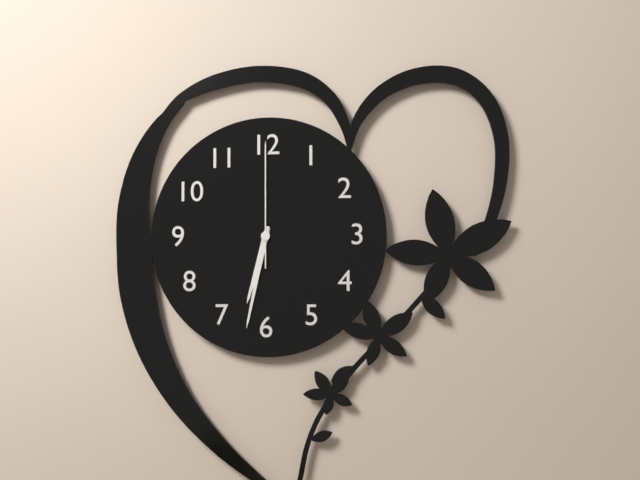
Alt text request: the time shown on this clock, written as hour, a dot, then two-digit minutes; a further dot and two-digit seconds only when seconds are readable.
6.32.00
